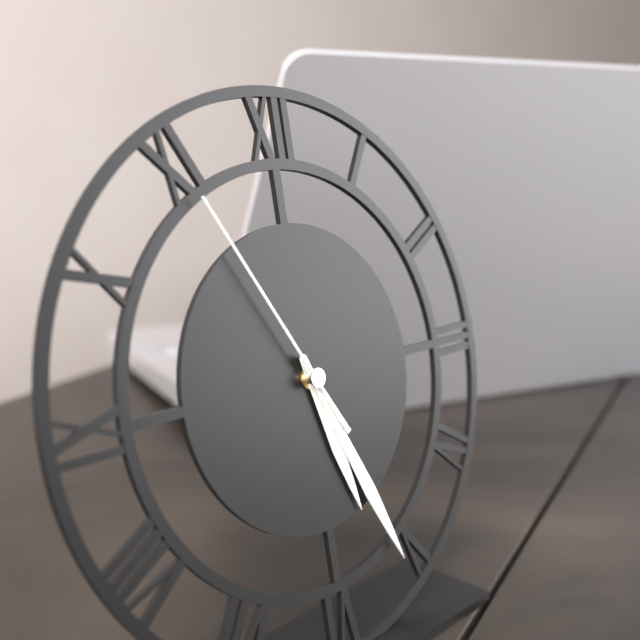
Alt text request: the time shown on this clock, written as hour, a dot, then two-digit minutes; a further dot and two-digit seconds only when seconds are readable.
5.26.55
